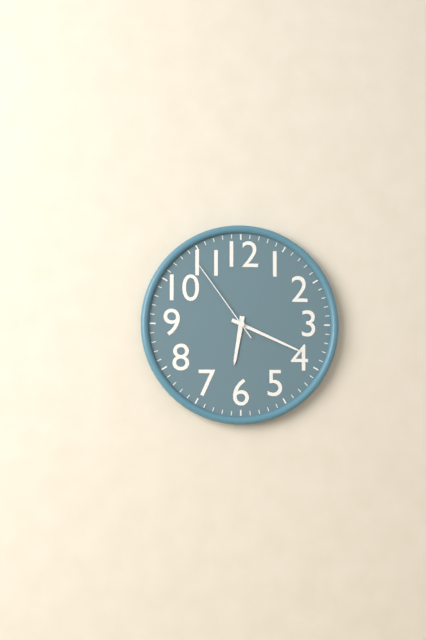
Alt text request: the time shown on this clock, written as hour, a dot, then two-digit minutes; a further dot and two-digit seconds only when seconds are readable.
6.19.54
